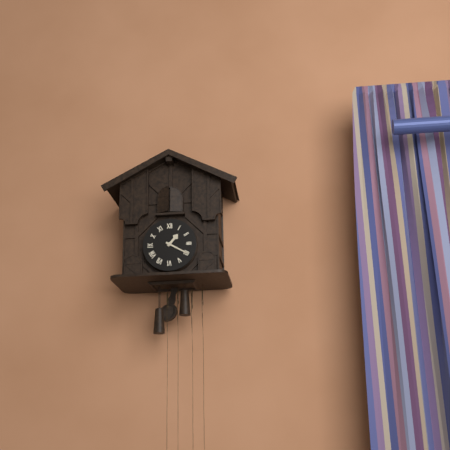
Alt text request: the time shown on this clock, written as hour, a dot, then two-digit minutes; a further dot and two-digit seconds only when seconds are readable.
1.20
